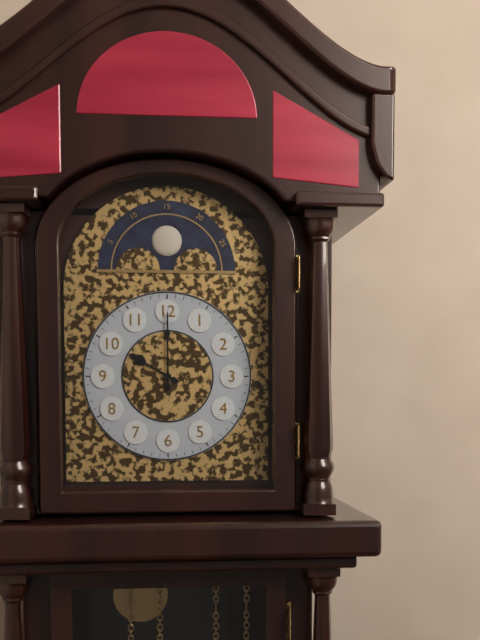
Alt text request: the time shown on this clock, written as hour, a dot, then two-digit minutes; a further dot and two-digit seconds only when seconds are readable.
10.00
